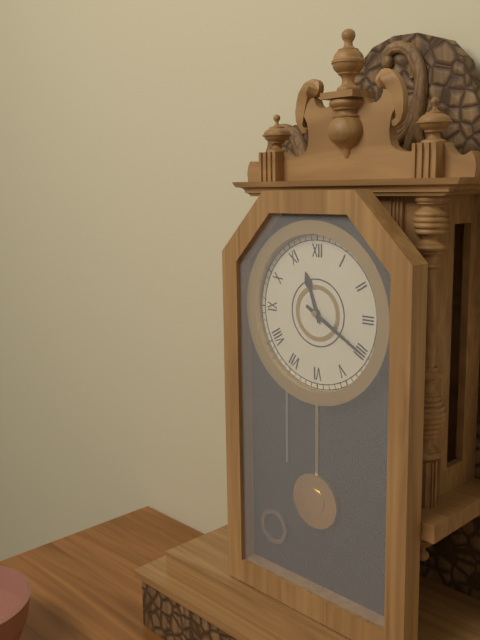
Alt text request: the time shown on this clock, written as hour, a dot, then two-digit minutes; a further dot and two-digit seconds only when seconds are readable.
11.20
